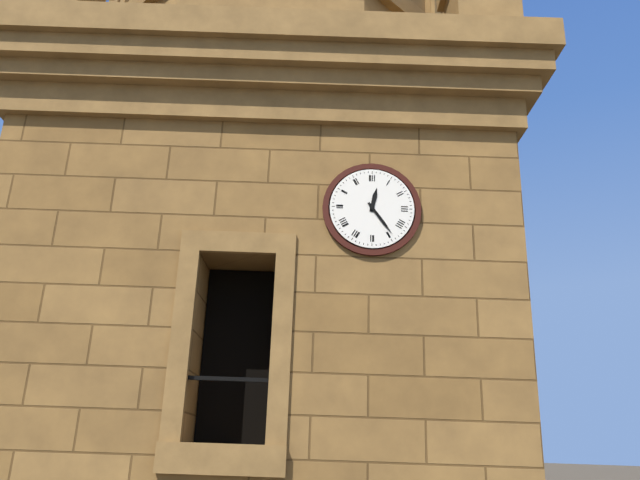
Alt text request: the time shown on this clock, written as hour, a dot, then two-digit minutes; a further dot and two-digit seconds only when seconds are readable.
12.24
